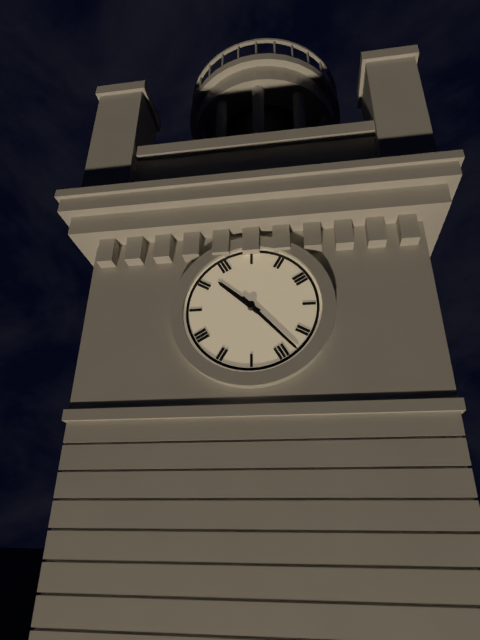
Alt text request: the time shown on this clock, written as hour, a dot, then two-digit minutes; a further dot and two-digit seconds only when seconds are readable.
10.23
